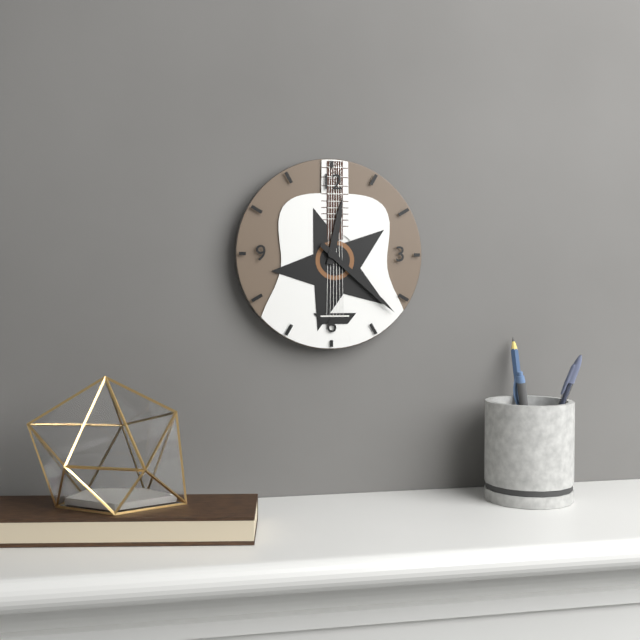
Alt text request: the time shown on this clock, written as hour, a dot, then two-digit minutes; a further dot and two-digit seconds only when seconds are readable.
12.22
